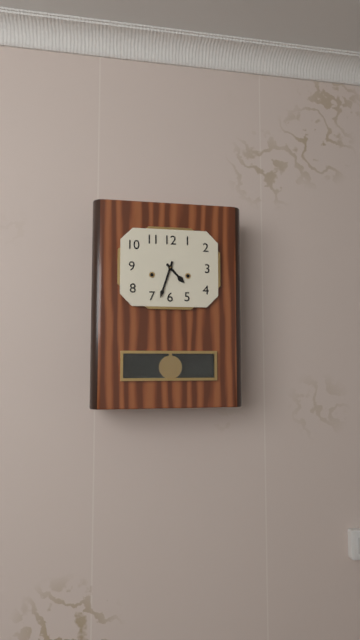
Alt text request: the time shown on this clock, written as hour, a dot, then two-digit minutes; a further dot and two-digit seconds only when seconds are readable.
4.33
